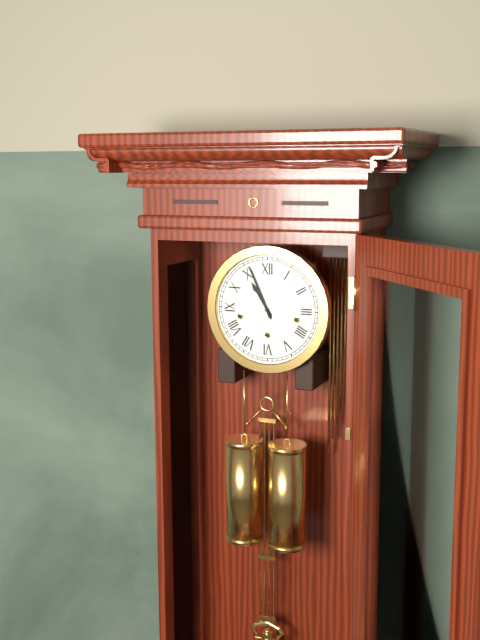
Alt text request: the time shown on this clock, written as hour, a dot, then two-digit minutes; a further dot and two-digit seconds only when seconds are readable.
10.56
